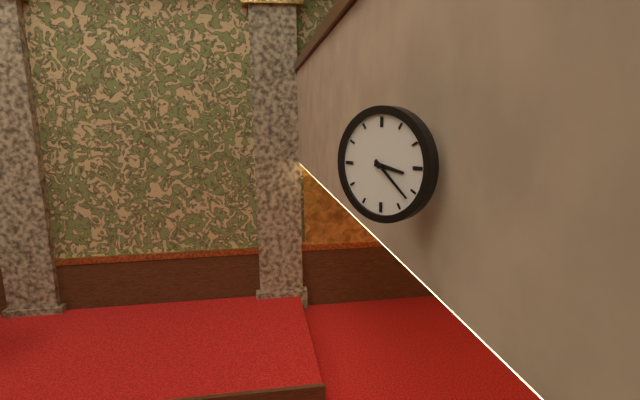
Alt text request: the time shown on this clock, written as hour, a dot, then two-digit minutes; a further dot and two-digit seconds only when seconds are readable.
3.22
